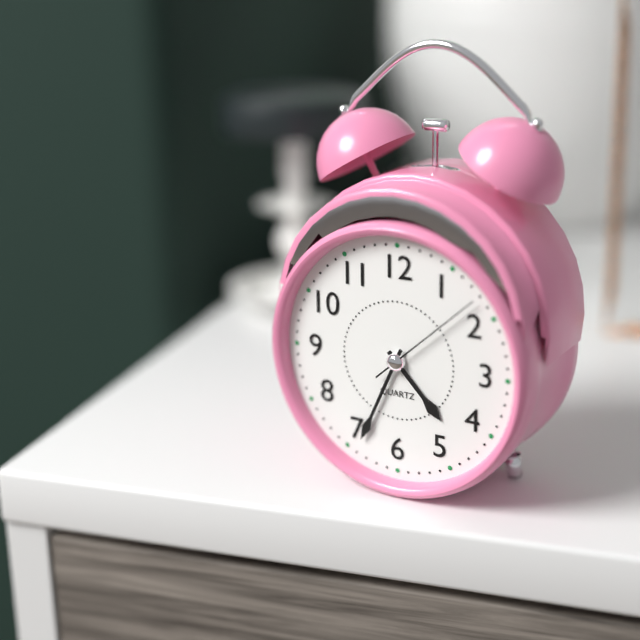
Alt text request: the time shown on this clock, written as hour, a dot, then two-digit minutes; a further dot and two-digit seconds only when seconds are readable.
4.34.08
